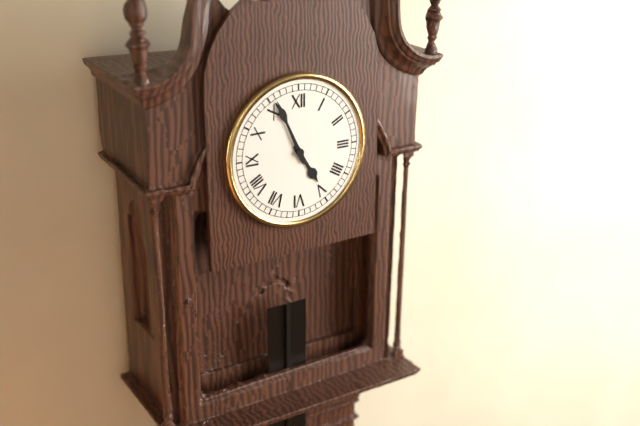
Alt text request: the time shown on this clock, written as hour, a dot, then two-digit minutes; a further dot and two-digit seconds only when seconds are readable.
4.56
